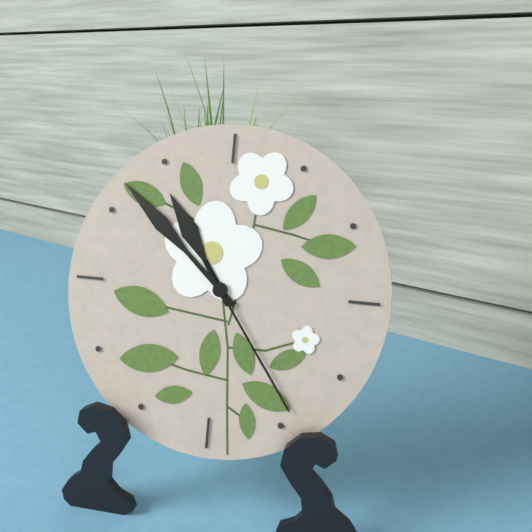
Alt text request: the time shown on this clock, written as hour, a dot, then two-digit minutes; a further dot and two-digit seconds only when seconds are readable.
10.52.24
